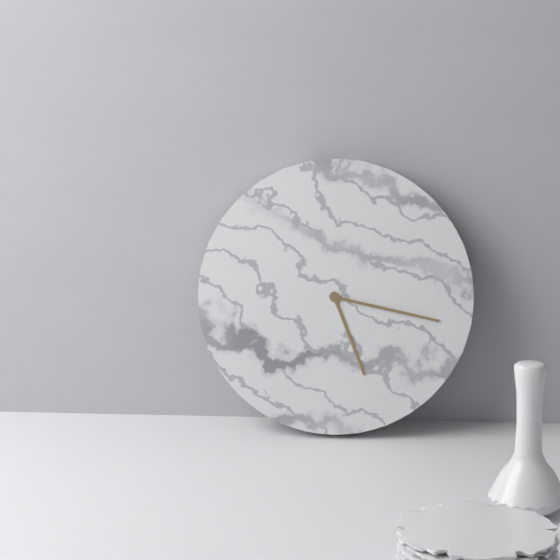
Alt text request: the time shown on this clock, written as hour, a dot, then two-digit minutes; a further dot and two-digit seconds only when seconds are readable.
5.17
